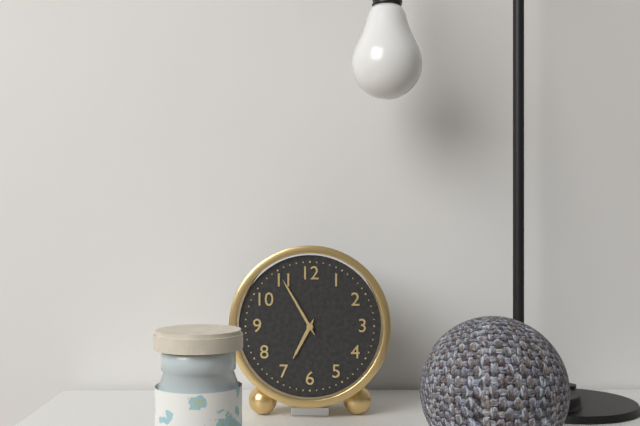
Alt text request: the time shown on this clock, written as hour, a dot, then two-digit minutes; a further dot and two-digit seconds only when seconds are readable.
6.55
